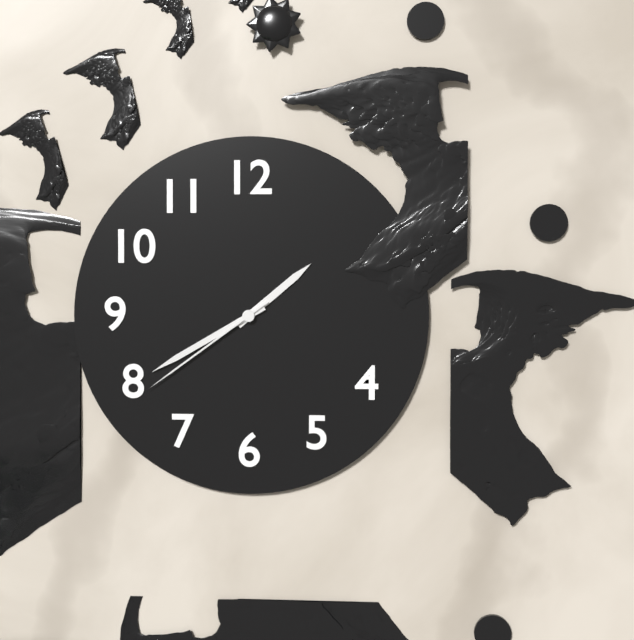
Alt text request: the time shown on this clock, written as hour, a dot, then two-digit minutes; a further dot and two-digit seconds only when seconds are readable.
1.40.39
